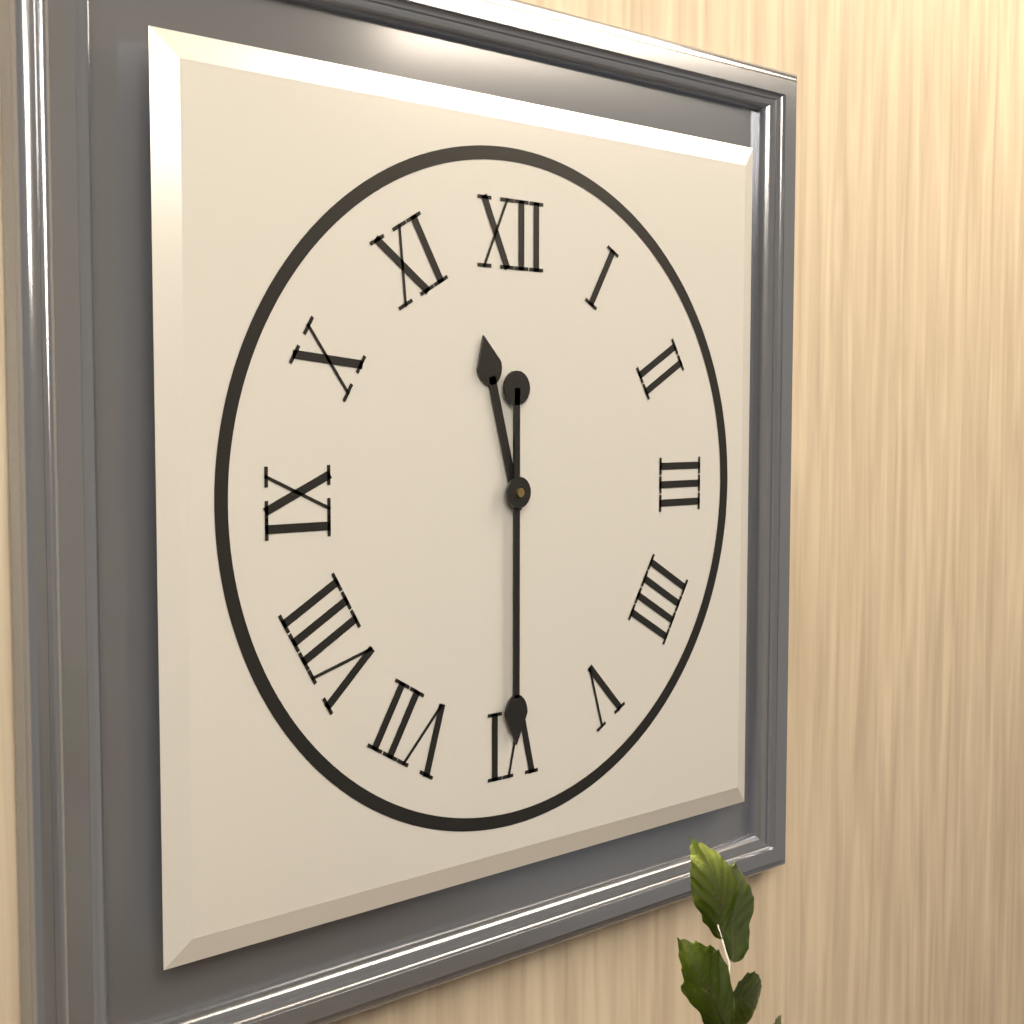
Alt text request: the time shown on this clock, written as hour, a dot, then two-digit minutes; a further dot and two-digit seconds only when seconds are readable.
11.30
